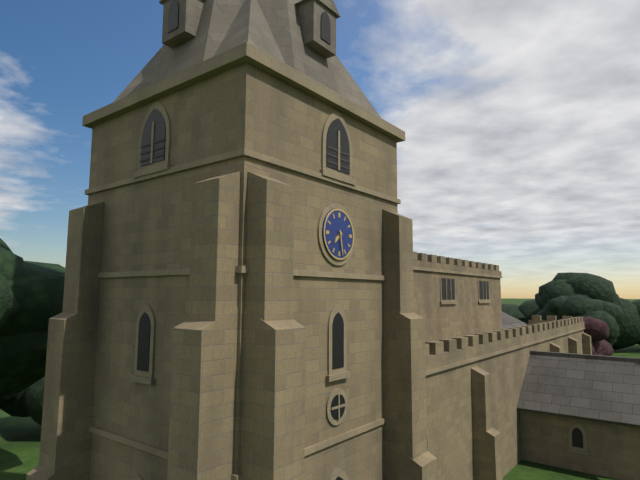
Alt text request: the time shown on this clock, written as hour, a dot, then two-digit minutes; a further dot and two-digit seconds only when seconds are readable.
7.28
